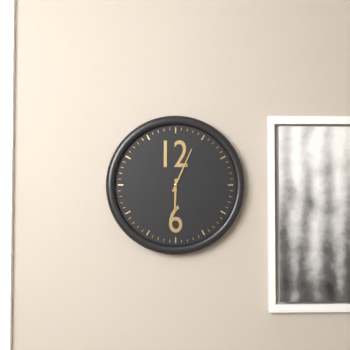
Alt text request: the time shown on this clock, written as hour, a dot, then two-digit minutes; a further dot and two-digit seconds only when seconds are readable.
6.04
